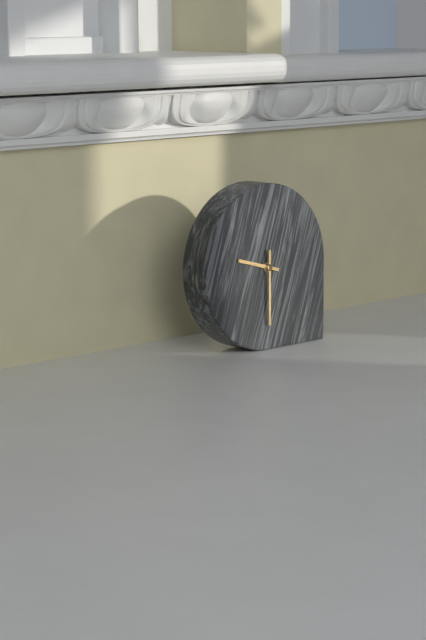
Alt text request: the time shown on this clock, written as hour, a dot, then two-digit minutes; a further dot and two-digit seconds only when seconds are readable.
9.30
